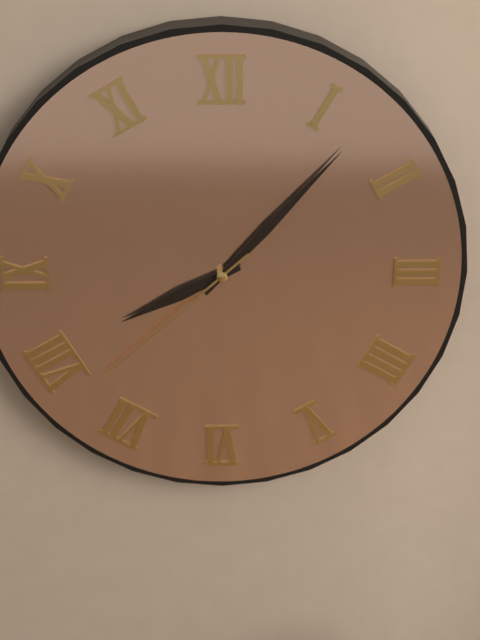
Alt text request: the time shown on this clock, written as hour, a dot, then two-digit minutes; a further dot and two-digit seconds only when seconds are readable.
8.07.38
